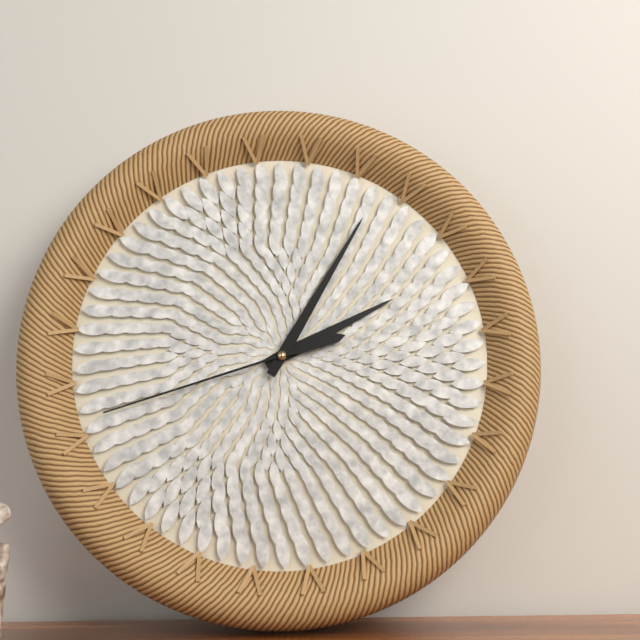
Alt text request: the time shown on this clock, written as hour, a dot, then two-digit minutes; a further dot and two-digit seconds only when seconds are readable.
2.05.42
